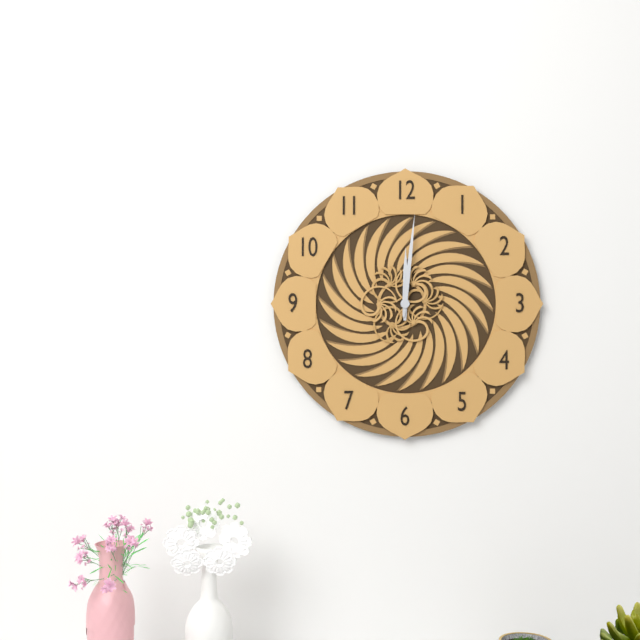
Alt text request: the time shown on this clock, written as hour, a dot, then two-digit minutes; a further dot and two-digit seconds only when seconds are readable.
12.01
